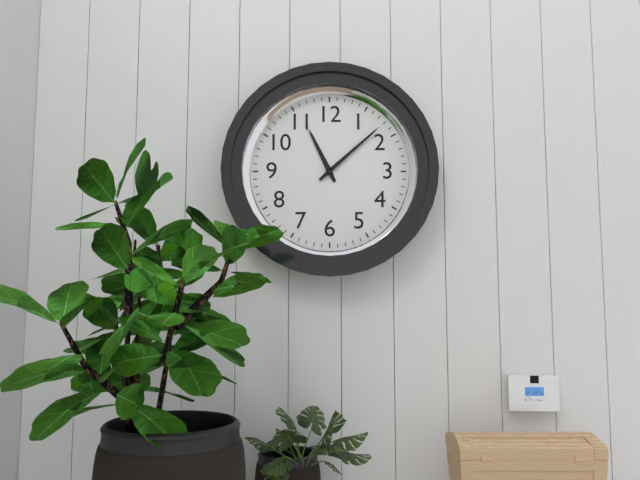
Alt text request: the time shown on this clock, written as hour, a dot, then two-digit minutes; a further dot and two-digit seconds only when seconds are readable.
11.08
